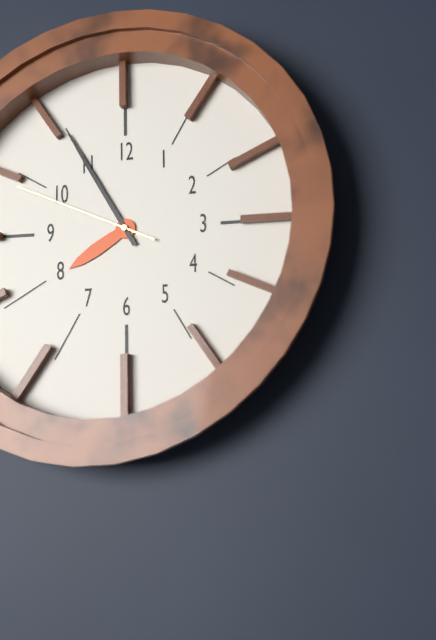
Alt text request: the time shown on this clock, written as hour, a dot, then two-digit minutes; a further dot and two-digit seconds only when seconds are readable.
7.55.49
